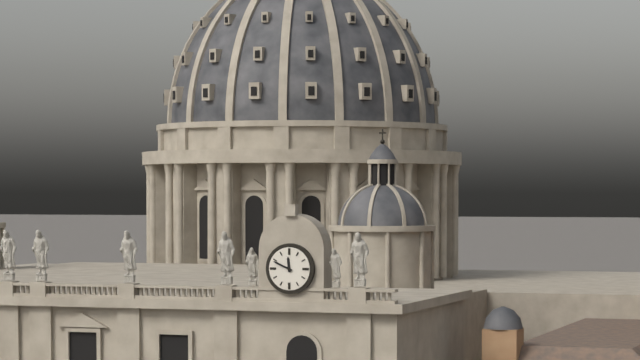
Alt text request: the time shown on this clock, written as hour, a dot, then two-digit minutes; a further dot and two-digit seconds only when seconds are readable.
11.49
